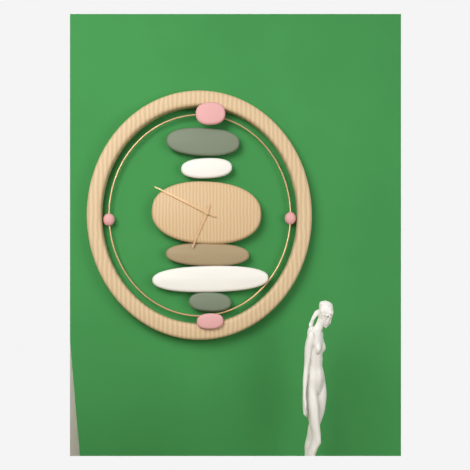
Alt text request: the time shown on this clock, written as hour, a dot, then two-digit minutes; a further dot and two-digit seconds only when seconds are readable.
6.49
